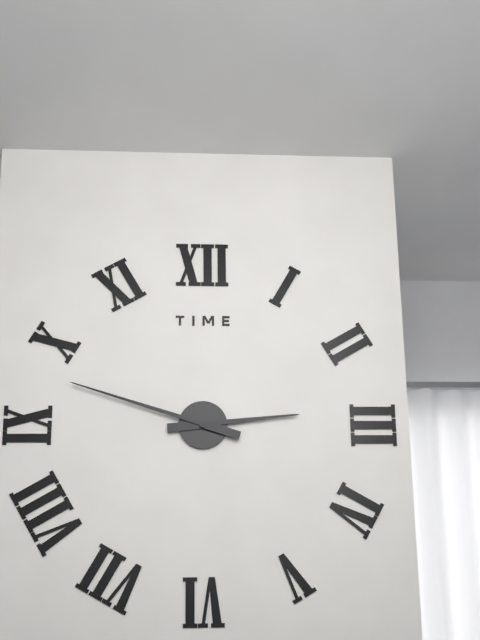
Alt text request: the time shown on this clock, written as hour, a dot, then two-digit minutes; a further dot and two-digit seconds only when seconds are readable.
2.48
